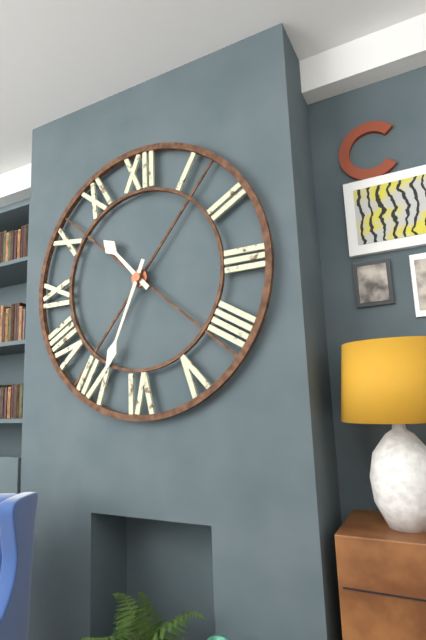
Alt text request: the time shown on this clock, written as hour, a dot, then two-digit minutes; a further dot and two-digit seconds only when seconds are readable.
10.34
